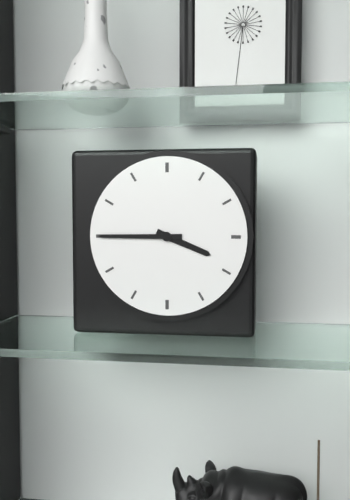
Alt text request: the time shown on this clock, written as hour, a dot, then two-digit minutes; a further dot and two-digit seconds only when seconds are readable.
3.45
